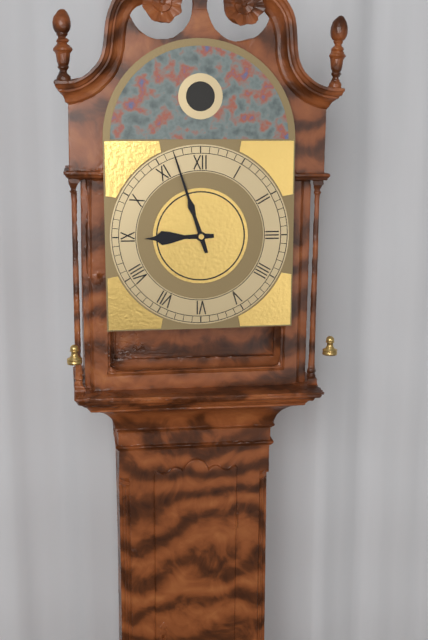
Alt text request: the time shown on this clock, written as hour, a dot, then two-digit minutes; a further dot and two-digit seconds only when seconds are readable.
8.57
